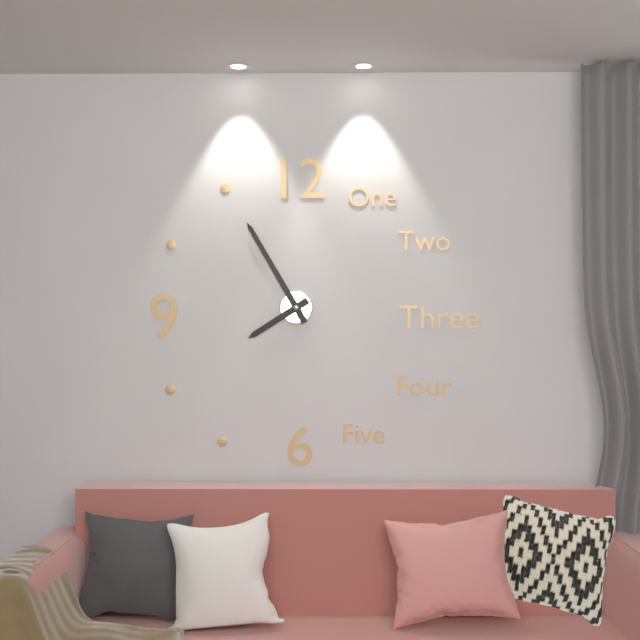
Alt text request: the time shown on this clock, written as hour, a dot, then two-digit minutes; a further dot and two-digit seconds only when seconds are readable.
7.55
